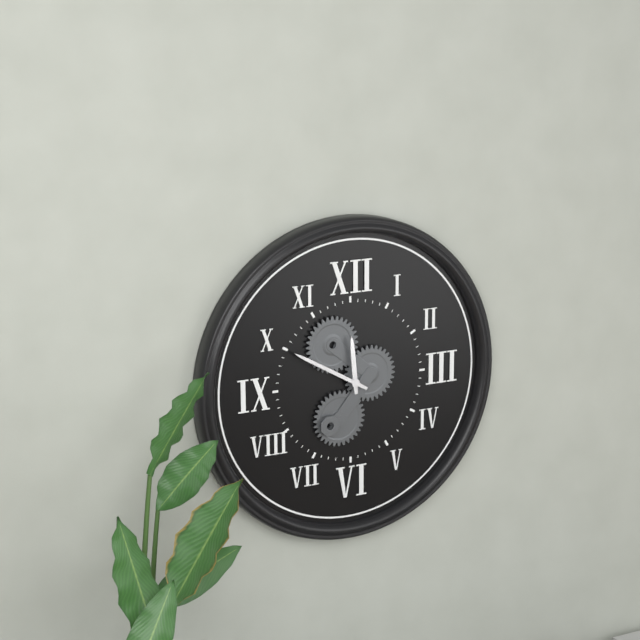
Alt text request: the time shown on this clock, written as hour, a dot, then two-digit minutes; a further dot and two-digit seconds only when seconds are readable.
11.50
